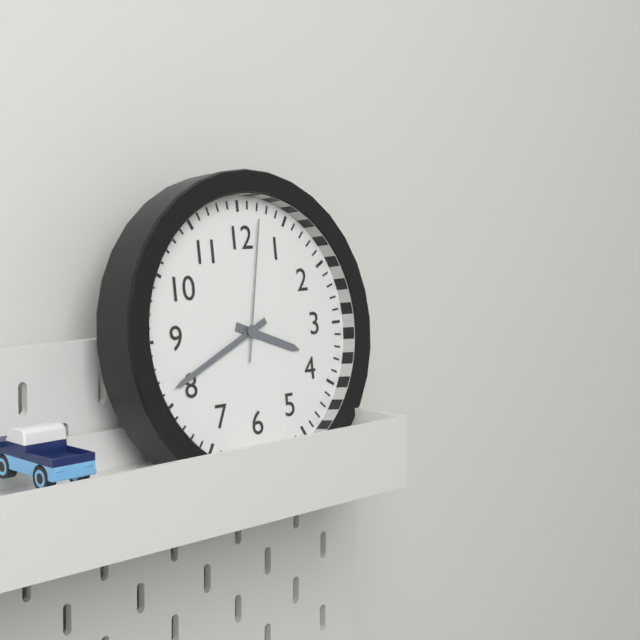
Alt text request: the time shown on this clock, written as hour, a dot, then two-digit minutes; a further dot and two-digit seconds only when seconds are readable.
3.41.02
